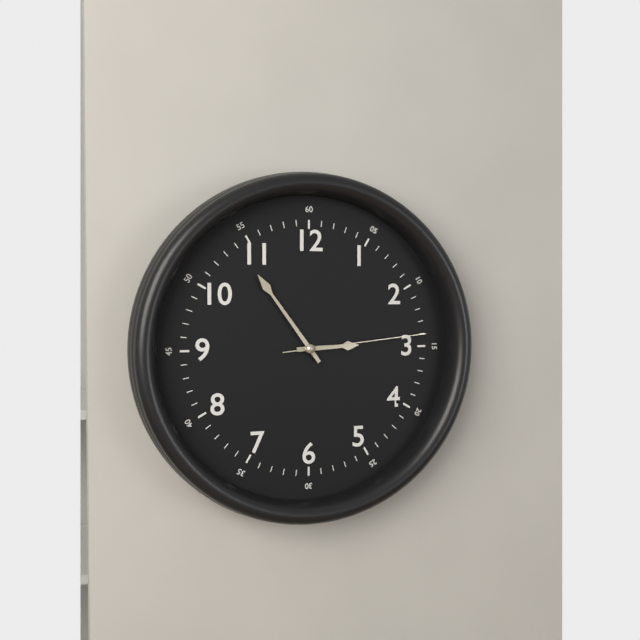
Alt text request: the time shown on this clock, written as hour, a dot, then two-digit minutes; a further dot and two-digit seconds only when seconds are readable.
2.54.14
